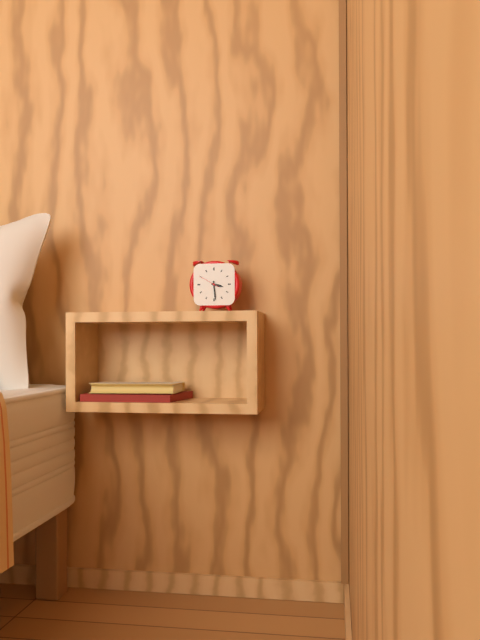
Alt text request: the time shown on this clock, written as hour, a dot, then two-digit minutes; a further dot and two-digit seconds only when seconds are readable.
3.29
